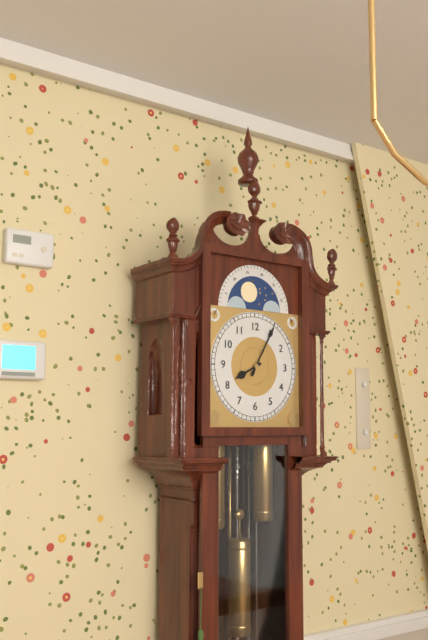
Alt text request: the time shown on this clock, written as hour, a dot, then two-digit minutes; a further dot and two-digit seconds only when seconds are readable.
8.05
